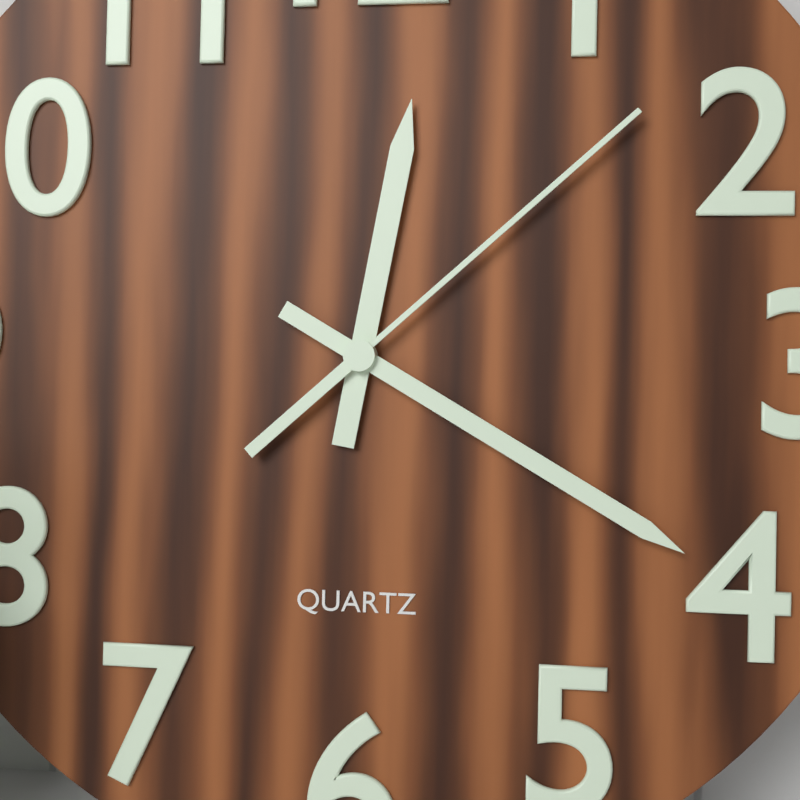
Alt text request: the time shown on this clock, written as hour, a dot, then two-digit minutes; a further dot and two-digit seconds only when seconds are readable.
12.20.08
